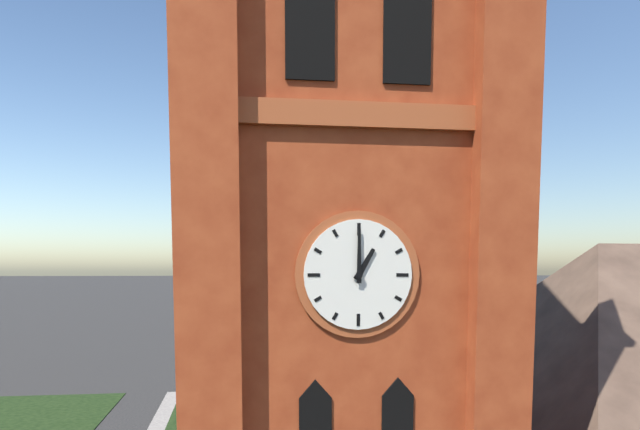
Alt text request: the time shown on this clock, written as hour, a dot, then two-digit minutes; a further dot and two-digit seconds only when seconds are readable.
1.00
